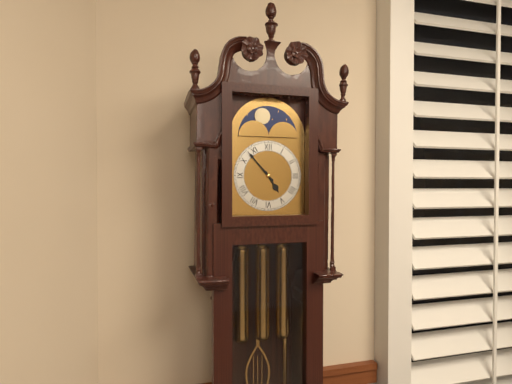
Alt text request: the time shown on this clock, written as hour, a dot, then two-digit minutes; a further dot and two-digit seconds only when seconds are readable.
4.53
